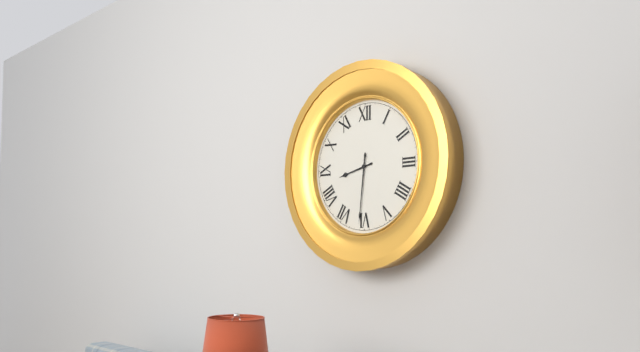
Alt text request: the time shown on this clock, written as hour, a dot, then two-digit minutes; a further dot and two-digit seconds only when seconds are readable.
8.31
